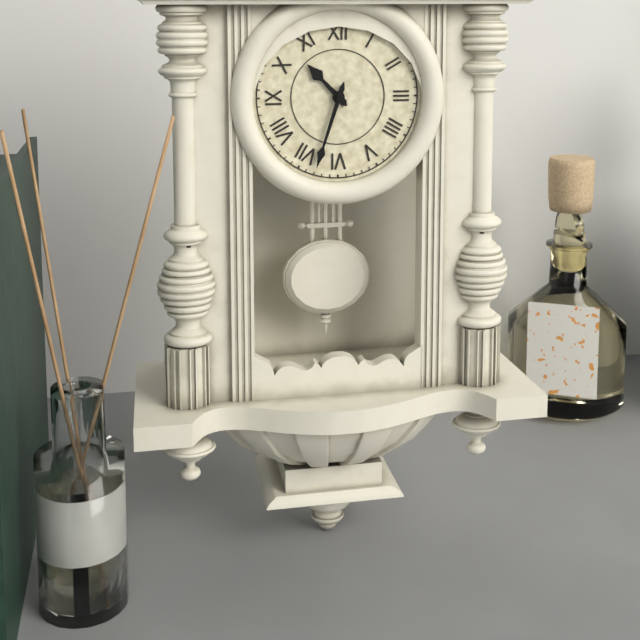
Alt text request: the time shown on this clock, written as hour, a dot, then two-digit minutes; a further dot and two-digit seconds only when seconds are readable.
10.33
